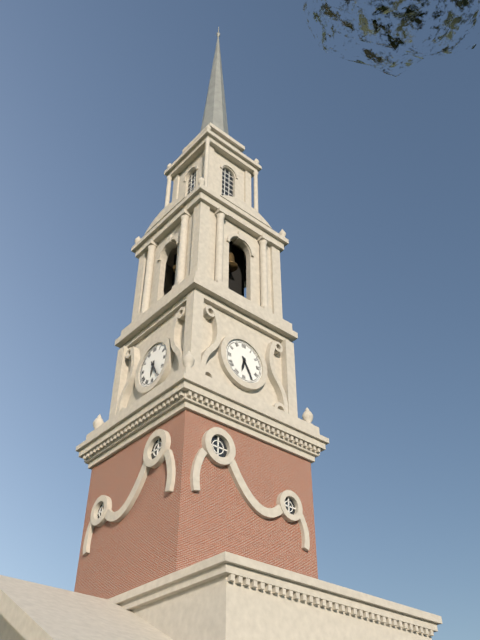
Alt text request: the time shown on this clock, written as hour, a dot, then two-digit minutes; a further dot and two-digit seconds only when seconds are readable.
6.25
